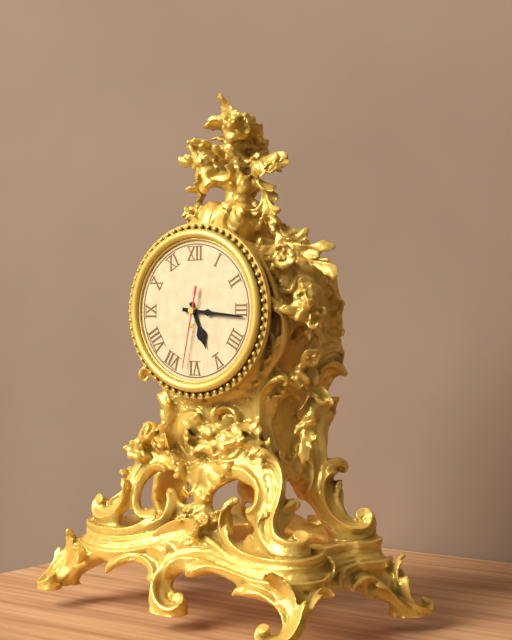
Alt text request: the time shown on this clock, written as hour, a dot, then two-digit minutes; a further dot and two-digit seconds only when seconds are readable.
5.16.32
